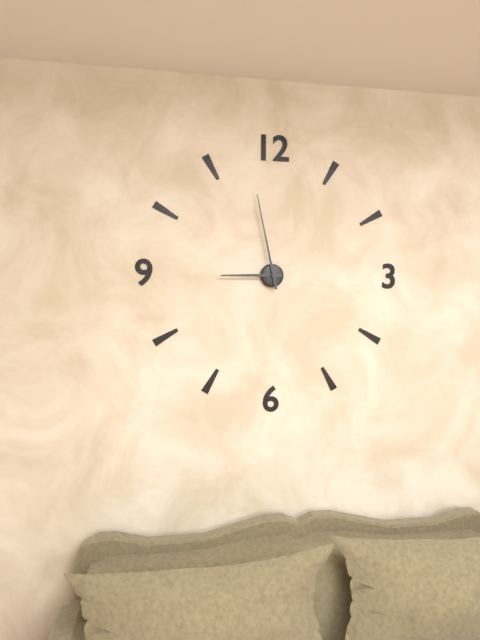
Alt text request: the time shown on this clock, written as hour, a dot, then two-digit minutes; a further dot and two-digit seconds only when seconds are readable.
8.58
